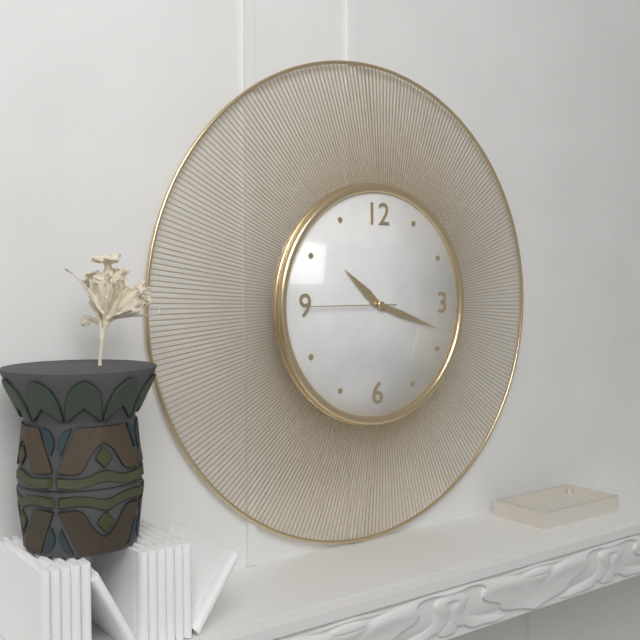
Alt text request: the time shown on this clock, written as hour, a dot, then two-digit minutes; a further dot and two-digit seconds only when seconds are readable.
10.18.45
